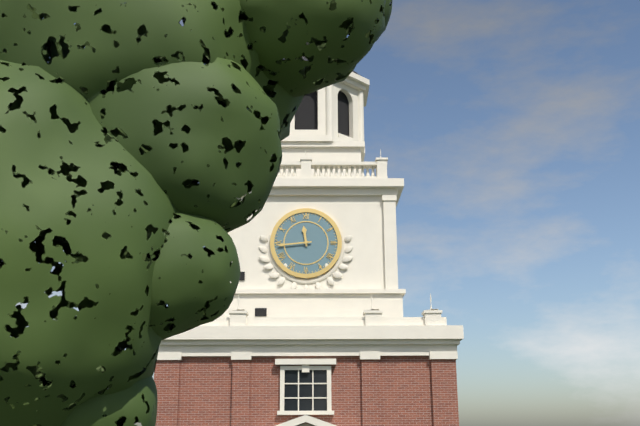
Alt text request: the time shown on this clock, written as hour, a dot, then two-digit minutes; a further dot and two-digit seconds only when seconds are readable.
11.44
